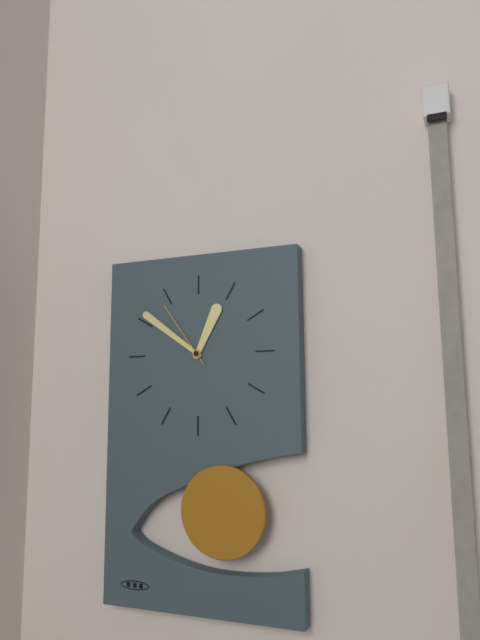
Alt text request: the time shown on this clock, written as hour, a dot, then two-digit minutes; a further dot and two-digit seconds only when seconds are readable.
12.51.54
